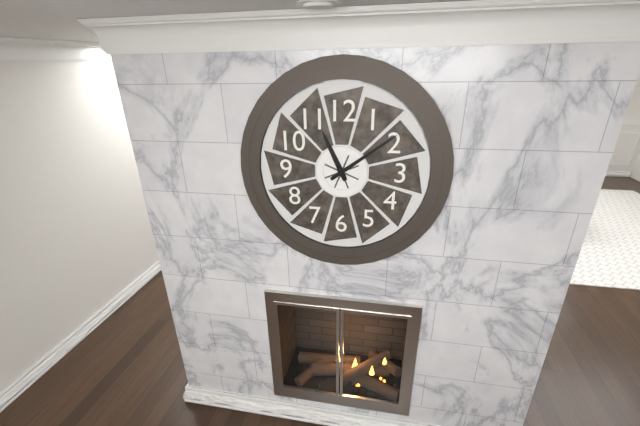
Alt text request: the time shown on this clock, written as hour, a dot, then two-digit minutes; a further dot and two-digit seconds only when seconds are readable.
11.09
